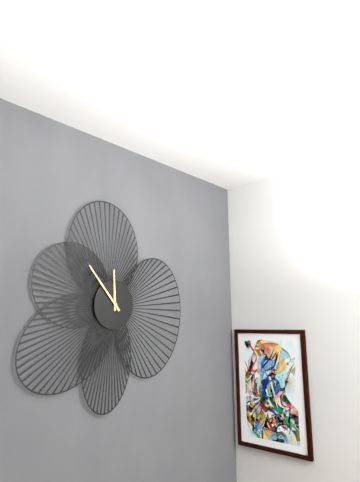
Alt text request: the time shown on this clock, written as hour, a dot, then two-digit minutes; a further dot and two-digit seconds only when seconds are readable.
11.53
